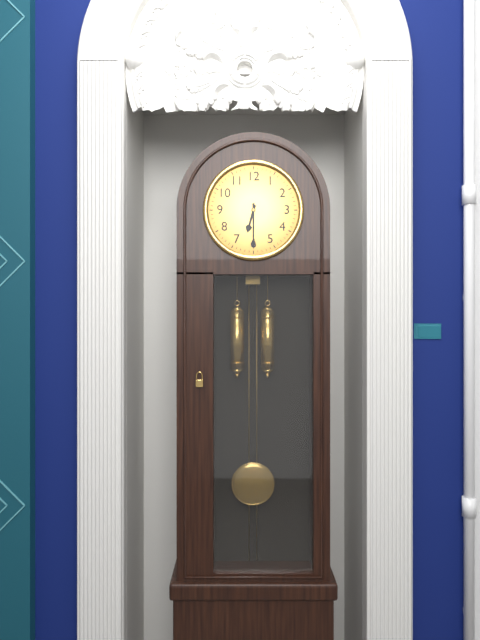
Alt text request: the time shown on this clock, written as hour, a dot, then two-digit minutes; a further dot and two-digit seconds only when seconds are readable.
6.30
